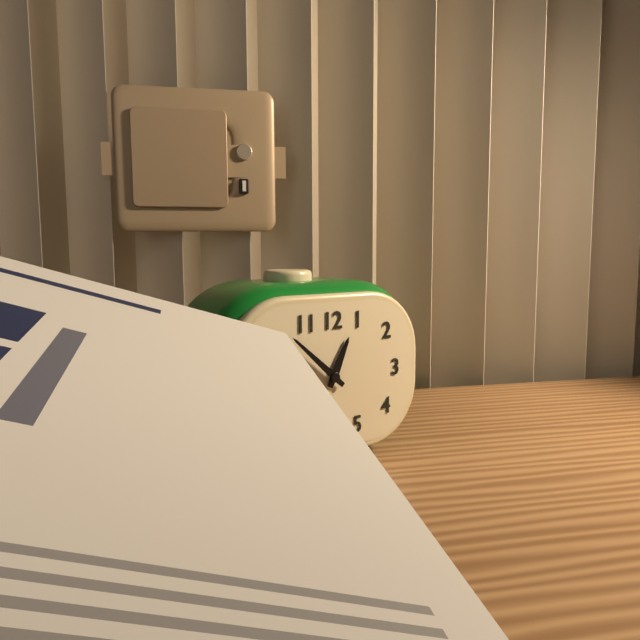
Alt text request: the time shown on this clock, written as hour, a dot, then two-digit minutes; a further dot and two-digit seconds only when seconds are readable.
12.52
